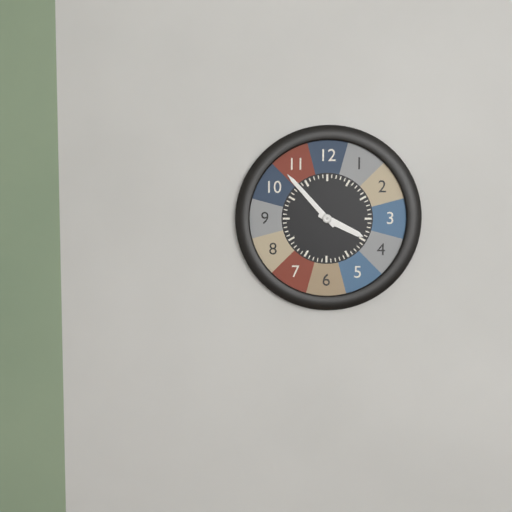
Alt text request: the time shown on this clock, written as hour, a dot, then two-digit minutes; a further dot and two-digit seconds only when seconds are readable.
3.53
